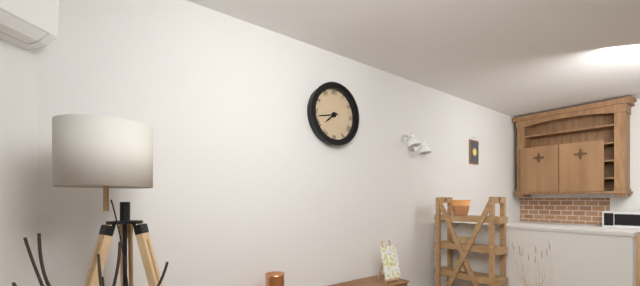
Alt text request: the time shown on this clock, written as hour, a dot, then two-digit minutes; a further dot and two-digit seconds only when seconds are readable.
7.43
